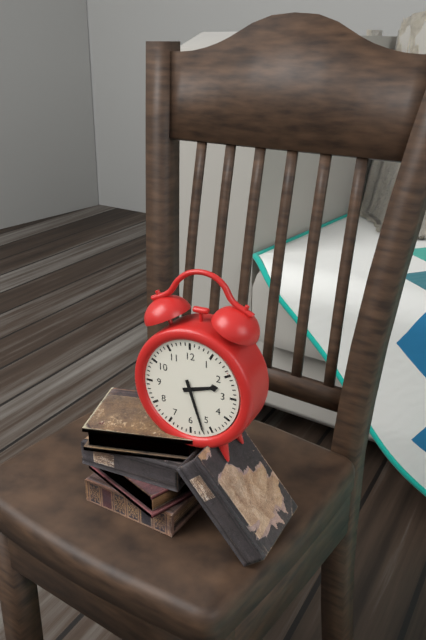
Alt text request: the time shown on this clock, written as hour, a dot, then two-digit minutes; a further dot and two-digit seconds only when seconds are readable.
2.27
